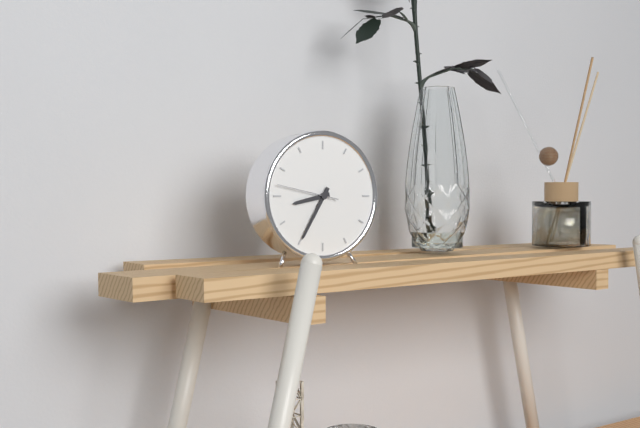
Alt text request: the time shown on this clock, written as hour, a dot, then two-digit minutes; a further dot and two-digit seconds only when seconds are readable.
8.35.47
